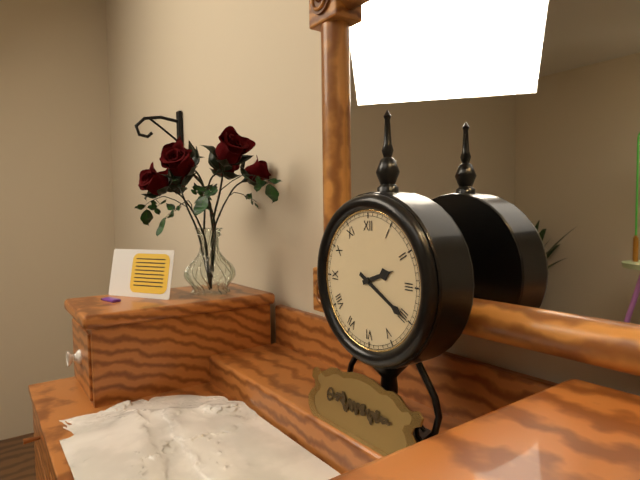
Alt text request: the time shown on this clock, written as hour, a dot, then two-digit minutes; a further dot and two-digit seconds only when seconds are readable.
2.20
